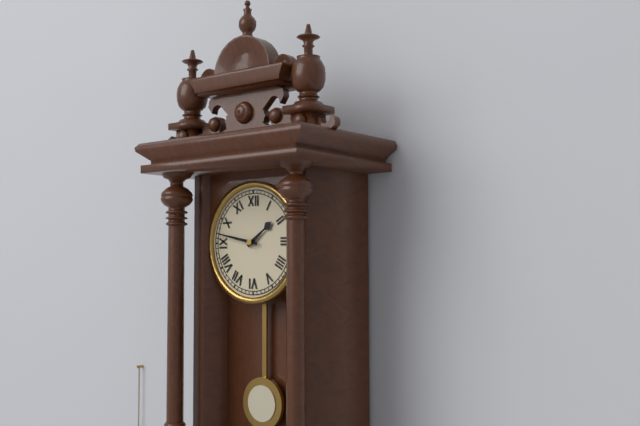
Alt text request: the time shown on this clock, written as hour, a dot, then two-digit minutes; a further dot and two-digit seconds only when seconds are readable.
1.47
